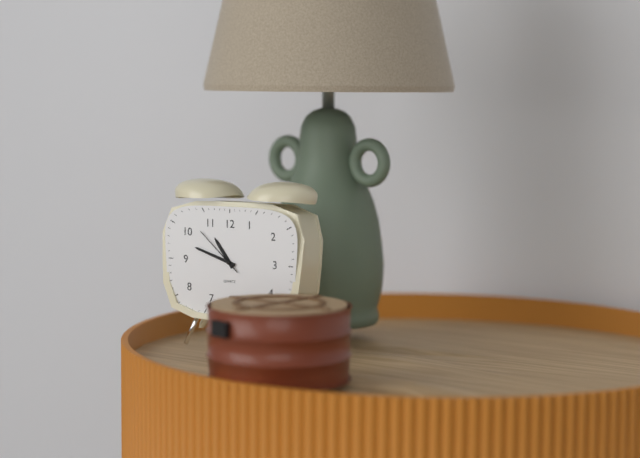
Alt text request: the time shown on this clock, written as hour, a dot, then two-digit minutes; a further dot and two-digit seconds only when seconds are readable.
10.48.52
